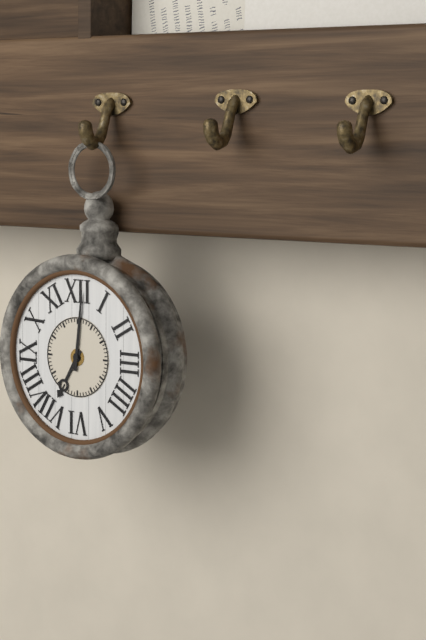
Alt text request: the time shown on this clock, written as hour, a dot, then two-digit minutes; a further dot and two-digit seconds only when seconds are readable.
7.01
